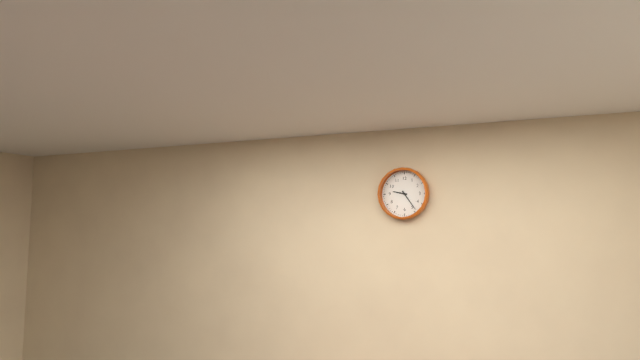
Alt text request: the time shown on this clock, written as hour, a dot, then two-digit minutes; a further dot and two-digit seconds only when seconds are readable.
9.24
